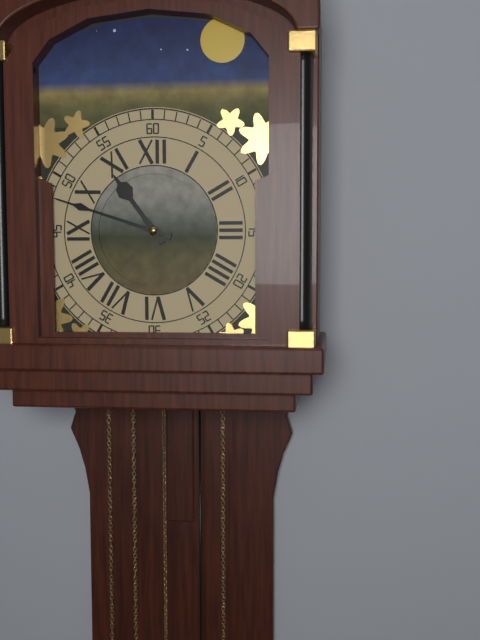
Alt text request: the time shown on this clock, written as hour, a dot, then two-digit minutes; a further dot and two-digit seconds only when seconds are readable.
10.48
